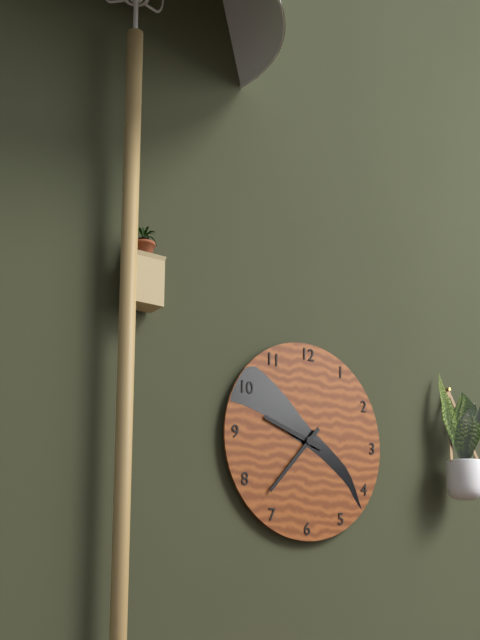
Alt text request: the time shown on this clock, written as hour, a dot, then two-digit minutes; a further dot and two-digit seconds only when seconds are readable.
9.37
